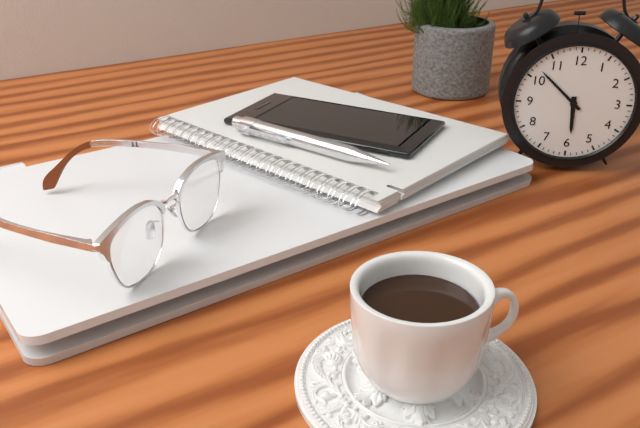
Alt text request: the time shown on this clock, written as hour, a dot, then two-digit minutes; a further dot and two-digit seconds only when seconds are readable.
5.52
